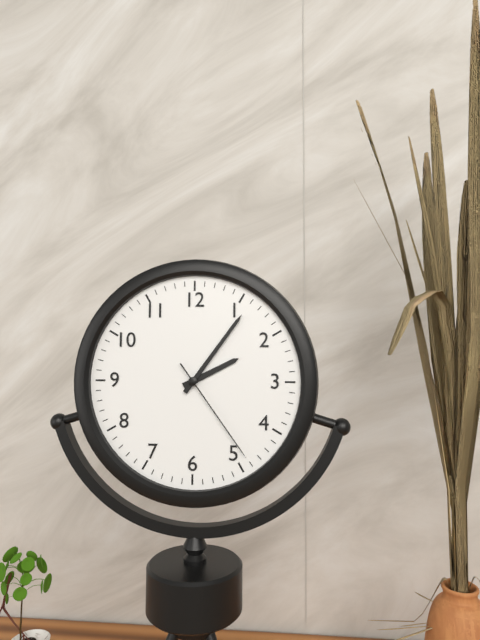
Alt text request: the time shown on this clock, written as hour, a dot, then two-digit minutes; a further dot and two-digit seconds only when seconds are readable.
2.06.24
